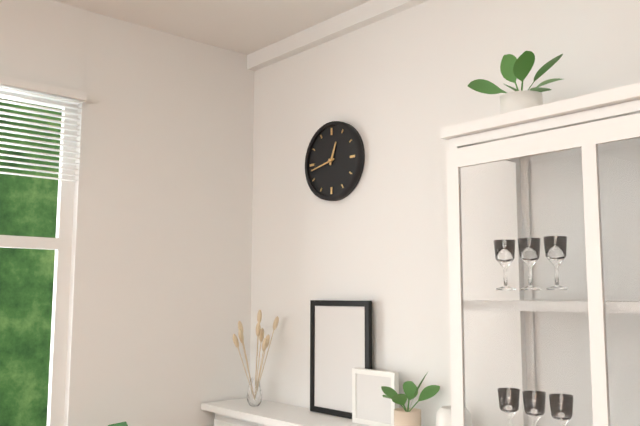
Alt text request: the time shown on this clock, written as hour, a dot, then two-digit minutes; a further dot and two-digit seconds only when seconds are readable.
12.43
